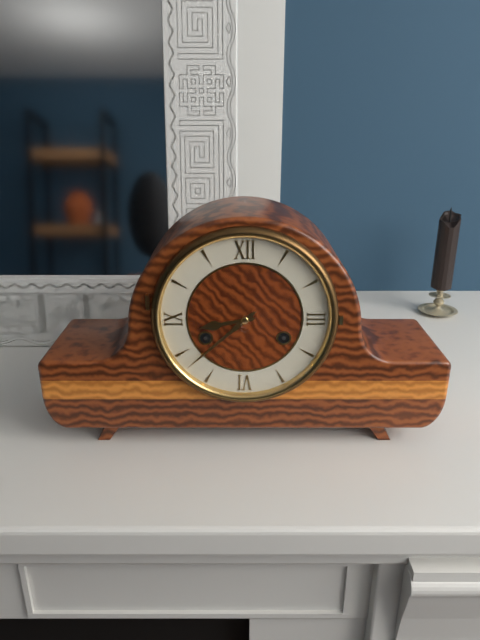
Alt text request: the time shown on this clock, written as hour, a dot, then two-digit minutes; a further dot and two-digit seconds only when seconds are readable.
8.38
